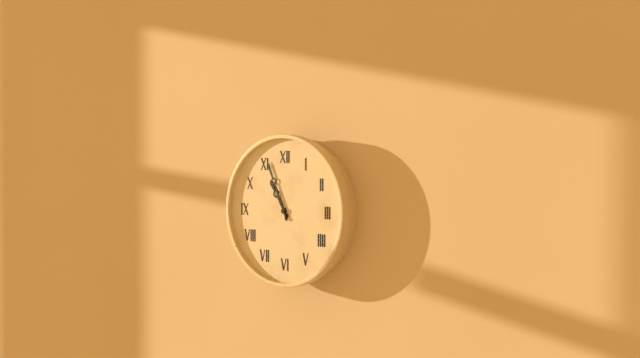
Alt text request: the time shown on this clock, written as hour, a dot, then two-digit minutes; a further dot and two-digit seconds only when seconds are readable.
10.56
